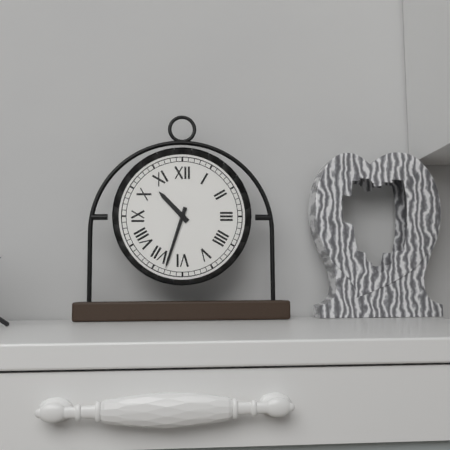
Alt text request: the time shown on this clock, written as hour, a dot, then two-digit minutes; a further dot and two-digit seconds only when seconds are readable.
10.33
